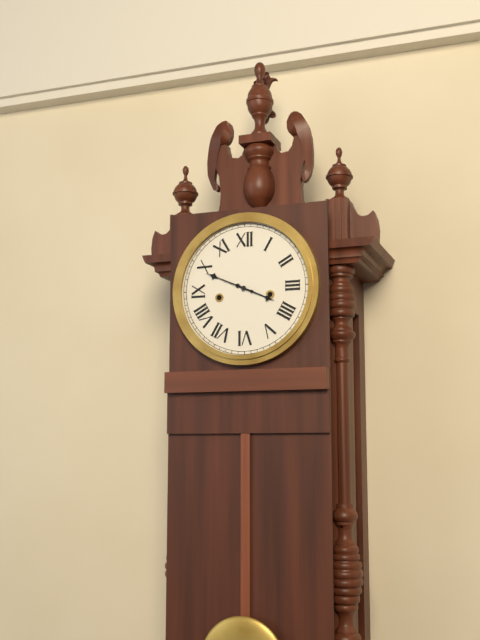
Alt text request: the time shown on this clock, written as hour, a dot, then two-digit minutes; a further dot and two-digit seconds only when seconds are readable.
3.49
